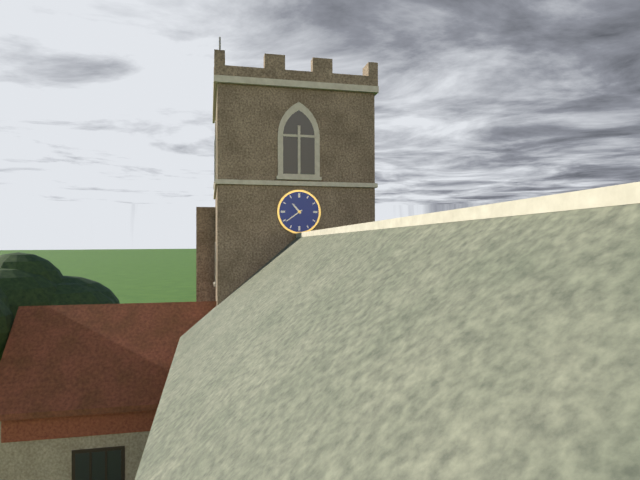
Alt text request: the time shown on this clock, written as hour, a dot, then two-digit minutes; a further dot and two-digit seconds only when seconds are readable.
10.39
